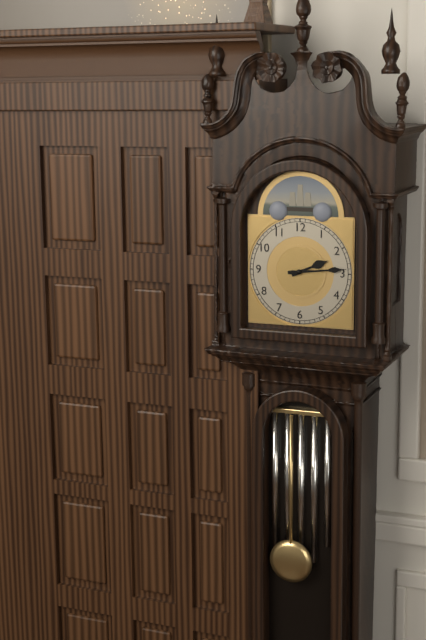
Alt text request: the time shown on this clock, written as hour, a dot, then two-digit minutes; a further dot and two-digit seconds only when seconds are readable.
2.14
